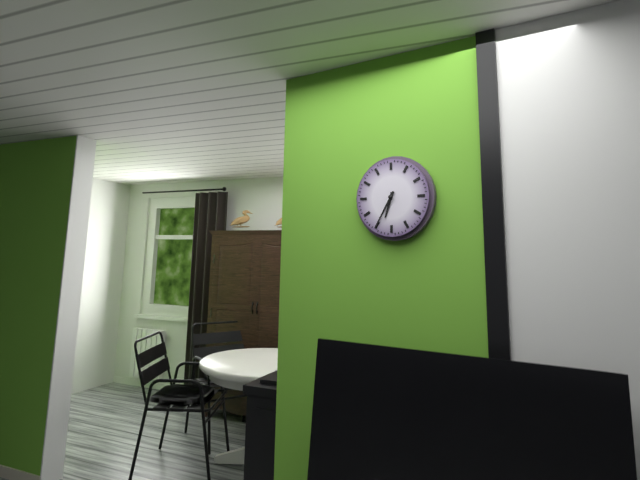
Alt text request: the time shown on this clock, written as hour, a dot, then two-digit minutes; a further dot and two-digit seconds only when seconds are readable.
6.35
